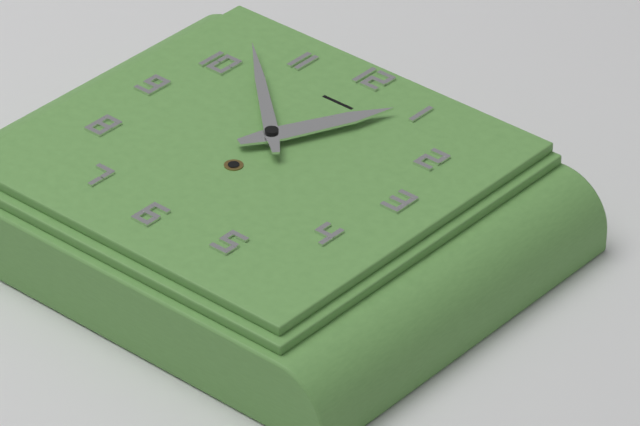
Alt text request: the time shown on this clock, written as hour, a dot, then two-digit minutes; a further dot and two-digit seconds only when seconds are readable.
12.52
